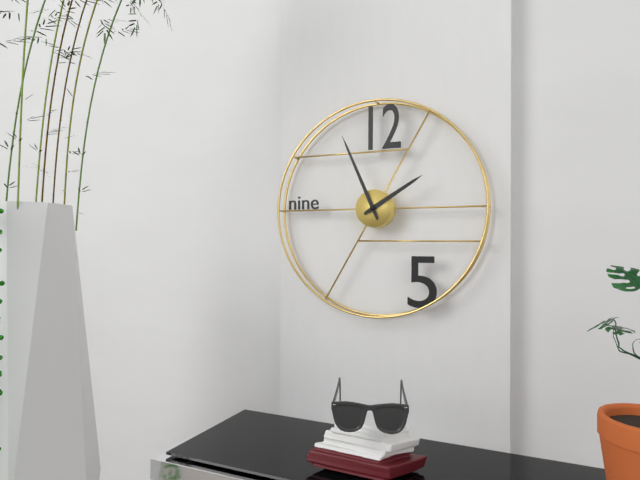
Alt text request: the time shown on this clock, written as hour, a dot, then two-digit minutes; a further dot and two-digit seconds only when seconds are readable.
1.56
